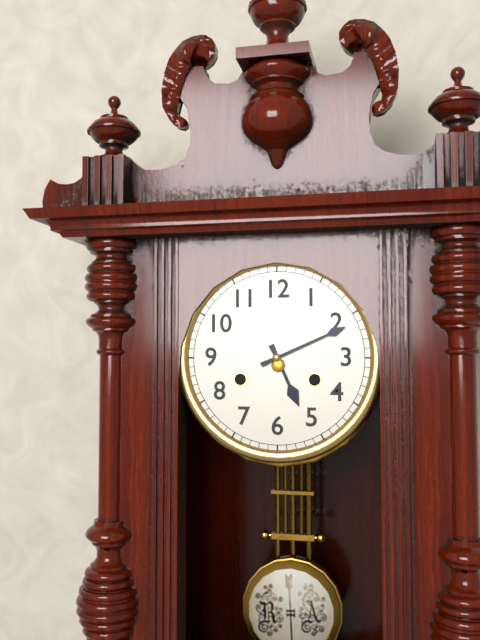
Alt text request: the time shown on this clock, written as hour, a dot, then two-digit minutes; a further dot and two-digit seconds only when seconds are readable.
5.11
